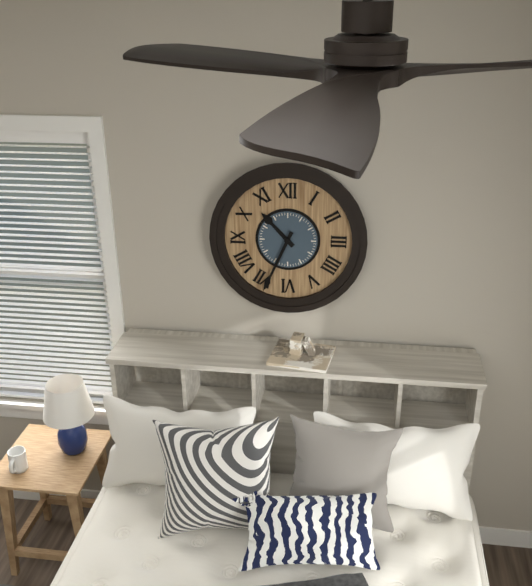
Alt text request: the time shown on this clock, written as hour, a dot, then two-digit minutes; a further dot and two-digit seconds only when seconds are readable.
10.34
